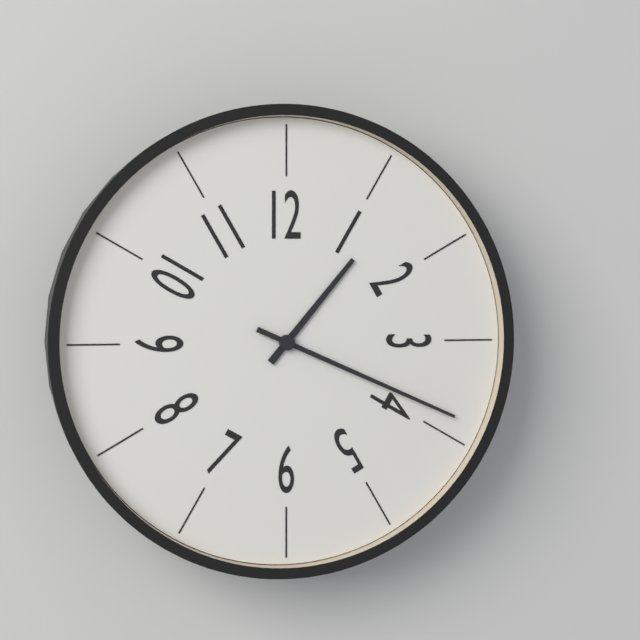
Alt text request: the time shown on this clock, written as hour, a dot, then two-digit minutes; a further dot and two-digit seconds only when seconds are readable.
1.19
